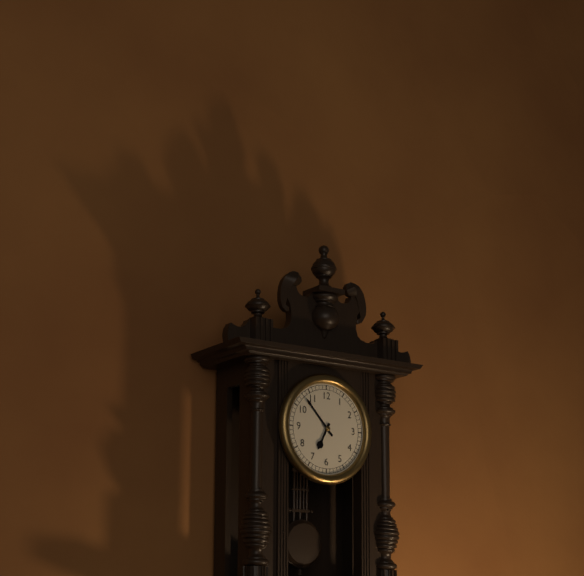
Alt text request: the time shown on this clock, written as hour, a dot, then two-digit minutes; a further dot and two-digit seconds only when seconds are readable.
6.53
